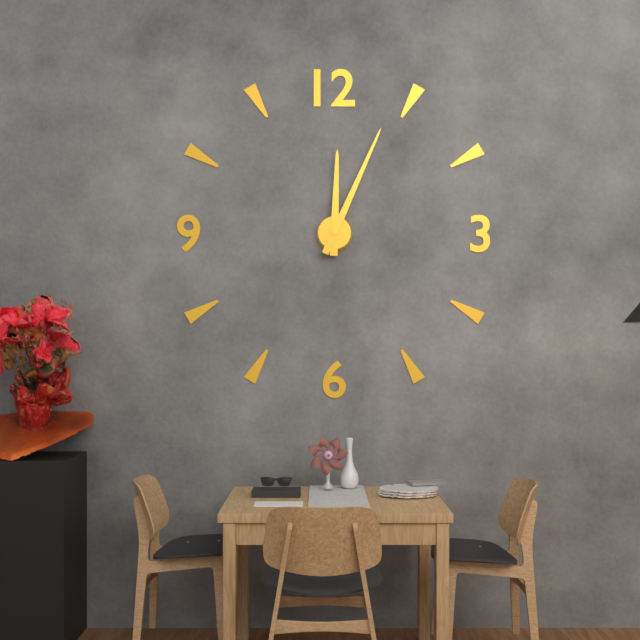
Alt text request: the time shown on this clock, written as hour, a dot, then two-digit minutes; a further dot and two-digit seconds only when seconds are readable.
12.04
